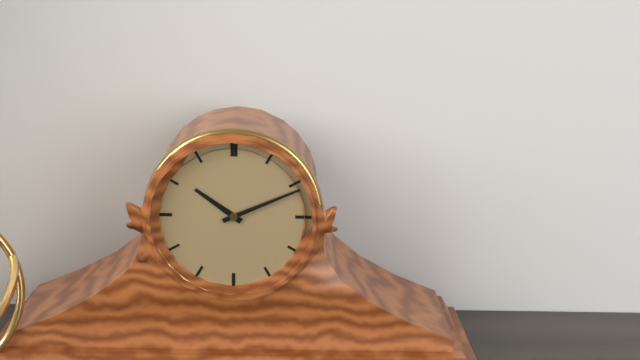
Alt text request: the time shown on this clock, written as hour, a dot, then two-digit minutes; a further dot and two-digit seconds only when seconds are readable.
10.11
